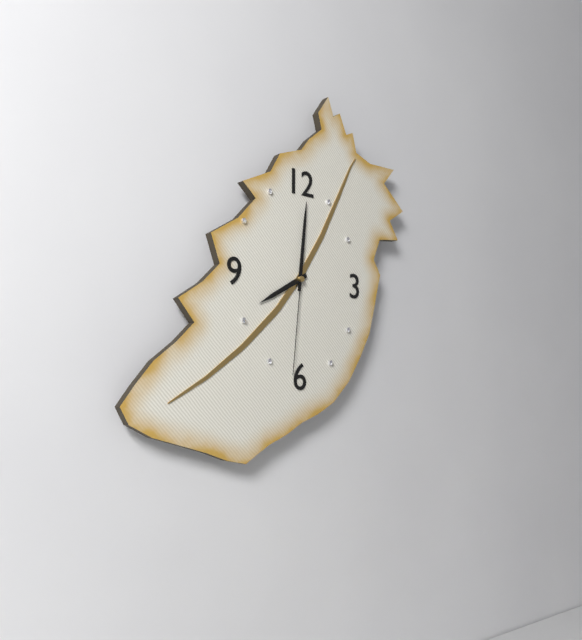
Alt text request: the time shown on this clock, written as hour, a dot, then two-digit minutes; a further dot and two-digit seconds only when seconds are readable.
8.01.31
